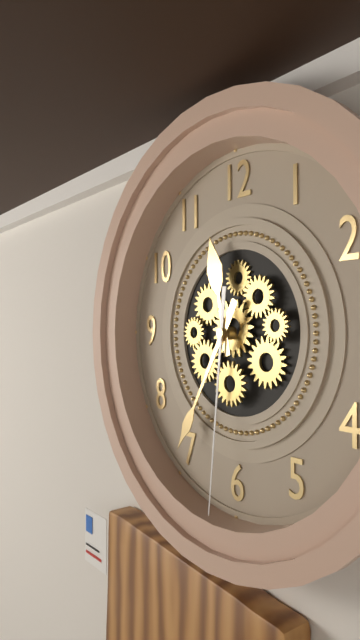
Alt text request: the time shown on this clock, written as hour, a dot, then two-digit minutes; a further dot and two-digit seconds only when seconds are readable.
11.35.31
